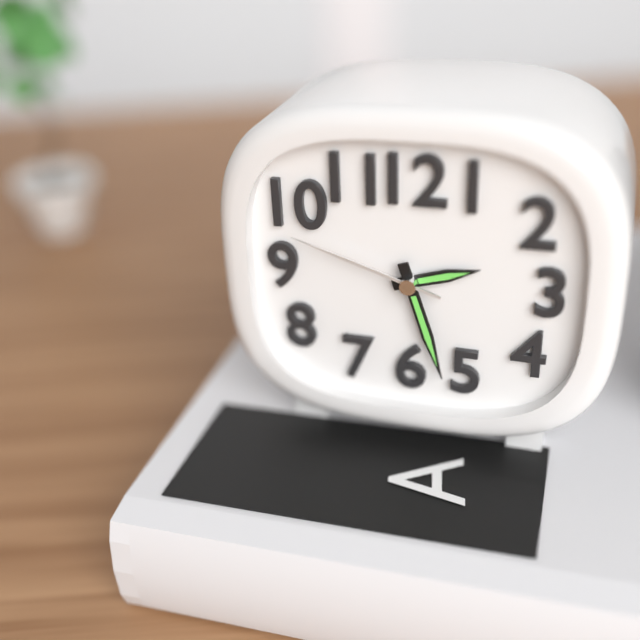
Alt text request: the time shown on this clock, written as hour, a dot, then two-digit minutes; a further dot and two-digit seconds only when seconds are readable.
2.27.48
